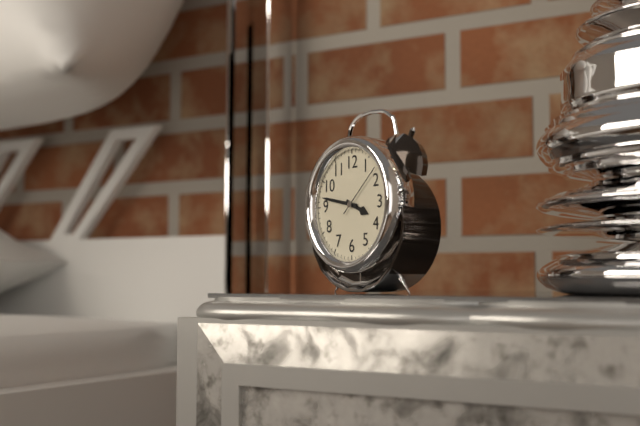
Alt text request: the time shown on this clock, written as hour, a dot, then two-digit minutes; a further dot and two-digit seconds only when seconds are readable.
3.47.08
